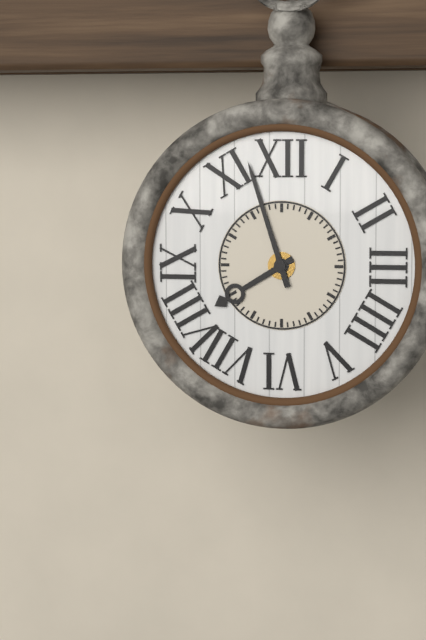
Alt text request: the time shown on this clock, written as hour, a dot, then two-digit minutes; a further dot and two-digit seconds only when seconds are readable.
7.57
